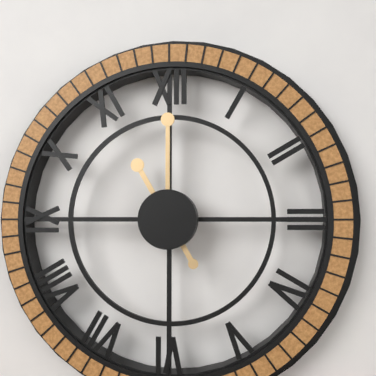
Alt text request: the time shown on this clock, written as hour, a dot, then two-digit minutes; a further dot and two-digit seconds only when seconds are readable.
11.00
